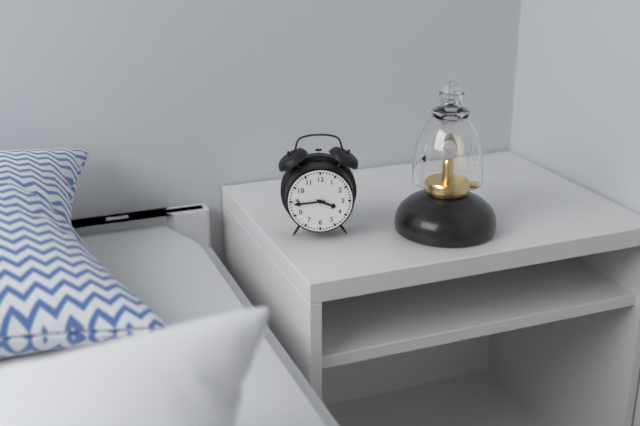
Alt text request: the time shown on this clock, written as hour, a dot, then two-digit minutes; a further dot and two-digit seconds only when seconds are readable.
3.44
